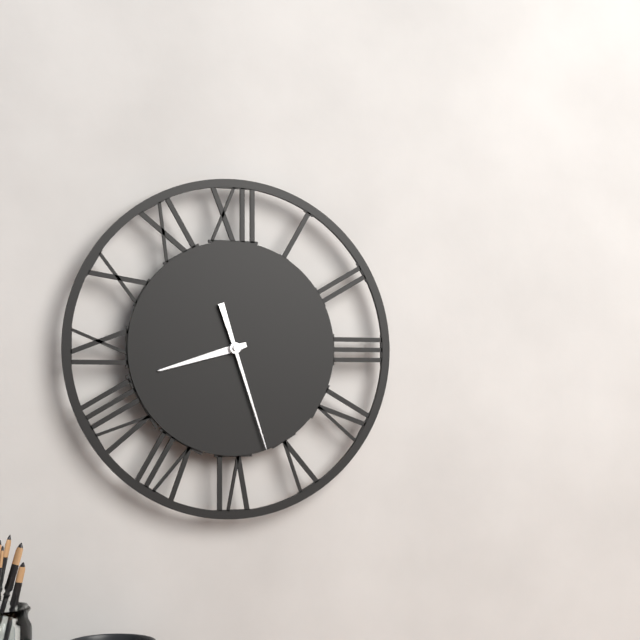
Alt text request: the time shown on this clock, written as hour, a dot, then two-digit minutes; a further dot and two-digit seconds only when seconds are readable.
8.27
